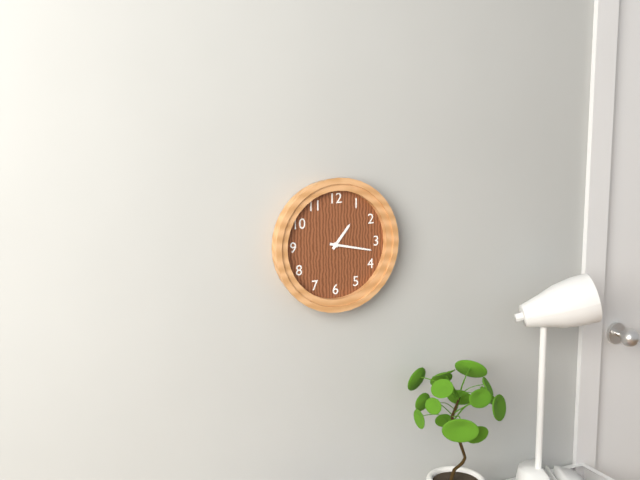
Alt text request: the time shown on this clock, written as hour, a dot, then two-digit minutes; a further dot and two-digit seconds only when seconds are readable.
1.17
